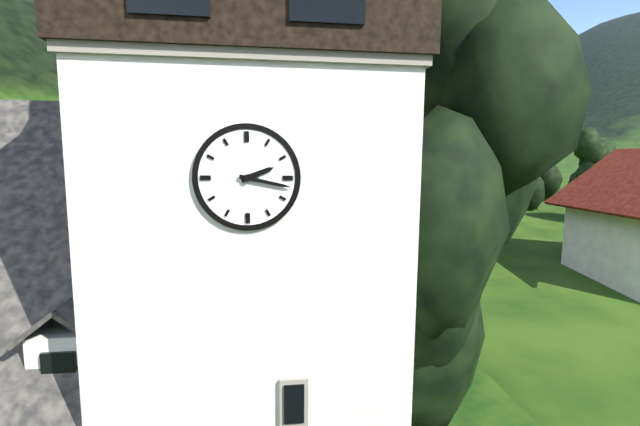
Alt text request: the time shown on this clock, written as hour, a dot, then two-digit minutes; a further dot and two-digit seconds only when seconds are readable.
2.17
